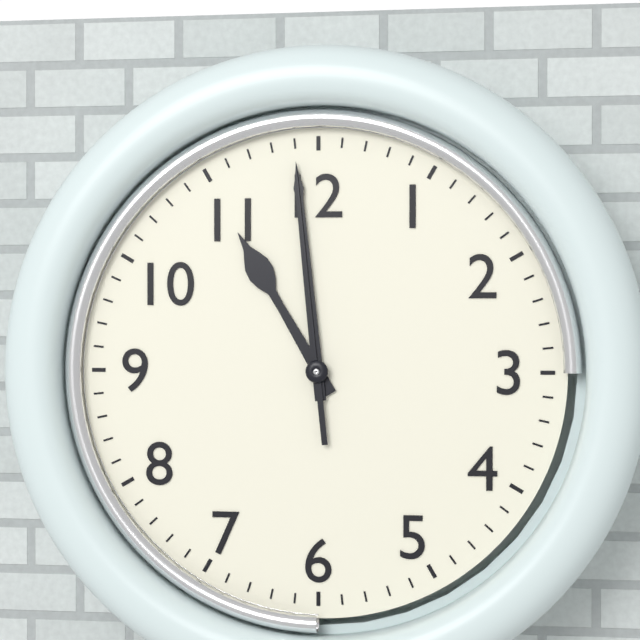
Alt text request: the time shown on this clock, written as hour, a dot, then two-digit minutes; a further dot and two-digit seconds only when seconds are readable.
10.59.59
